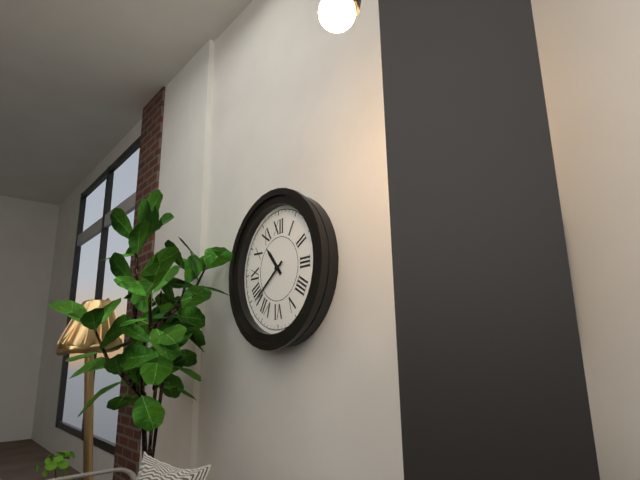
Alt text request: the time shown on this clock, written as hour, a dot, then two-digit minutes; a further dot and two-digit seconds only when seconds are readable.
10.39
